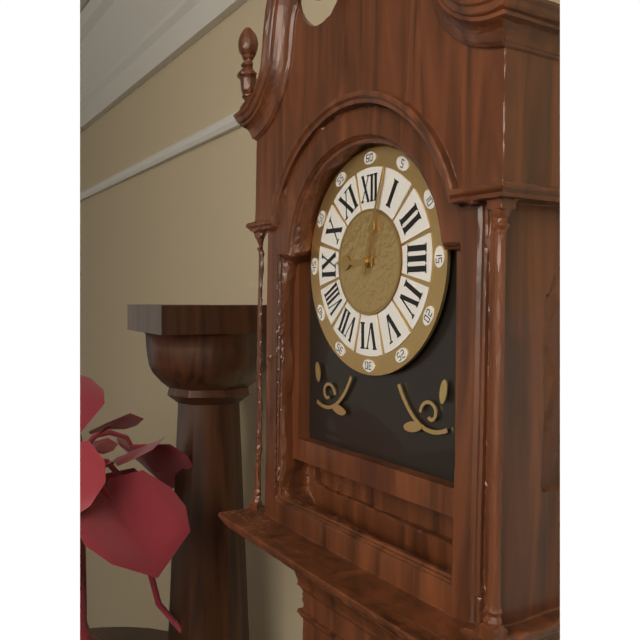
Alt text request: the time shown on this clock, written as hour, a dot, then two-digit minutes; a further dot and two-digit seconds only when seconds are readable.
9.03
